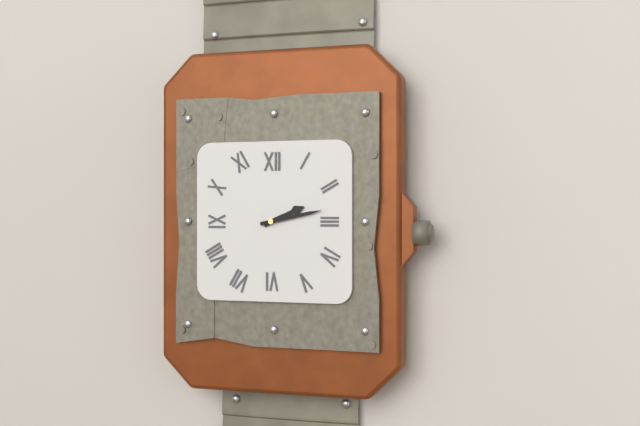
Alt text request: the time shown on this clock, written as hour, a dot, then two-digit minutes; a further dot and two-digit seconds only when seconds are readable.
2.13
